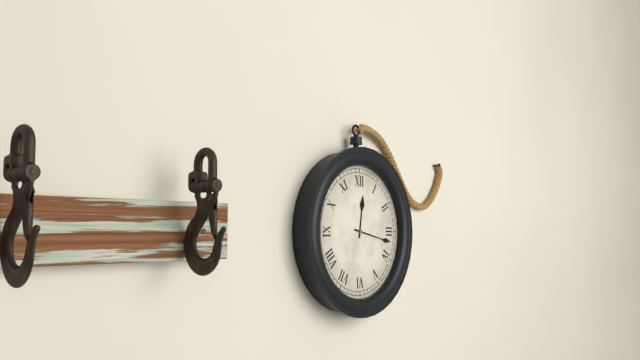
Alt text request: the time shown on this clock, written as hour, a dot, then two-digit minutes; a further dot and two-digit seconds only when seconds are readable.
12.17
